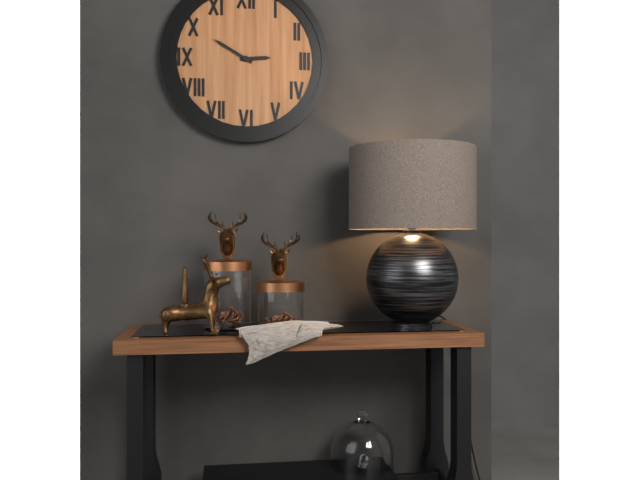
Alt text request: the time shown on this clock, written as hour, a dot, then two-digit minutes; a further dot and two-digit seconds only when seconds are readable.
2.50
